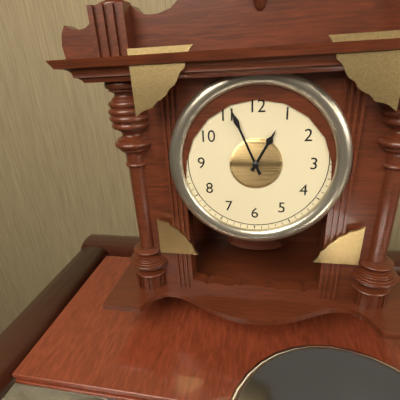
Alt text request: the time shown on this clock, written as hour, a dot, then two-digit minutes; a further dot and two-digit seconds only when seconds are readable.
12.56
